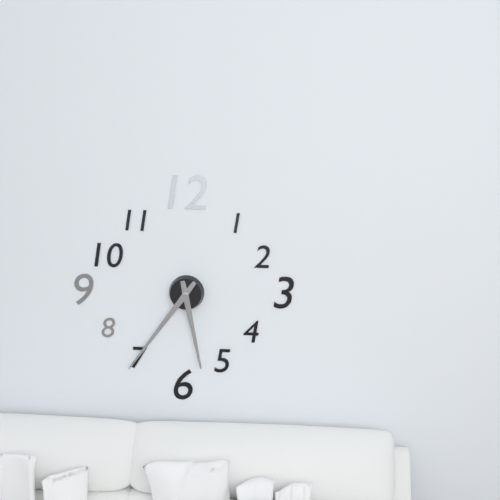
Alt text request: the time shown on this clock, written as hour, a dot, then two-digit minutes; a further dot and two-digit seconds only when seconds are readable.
5.36
